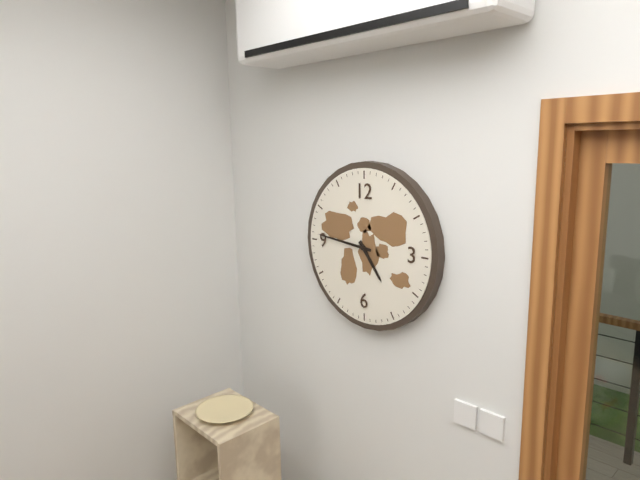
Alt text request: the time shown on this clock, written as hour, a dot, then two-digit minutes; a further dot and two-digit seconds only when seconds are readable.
4.46
